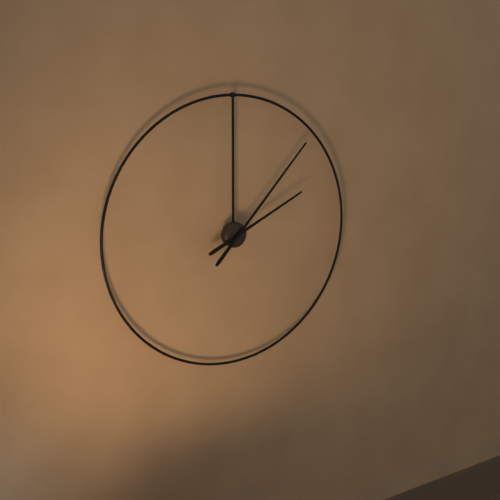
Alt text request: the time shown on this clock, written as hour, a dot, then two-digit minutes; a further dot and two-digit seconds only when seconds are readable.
2.07
